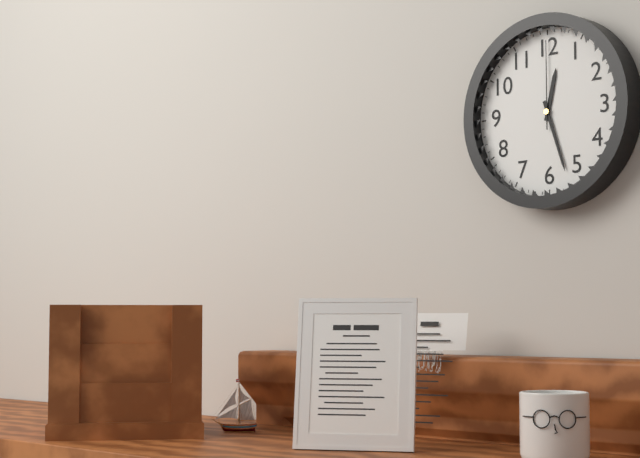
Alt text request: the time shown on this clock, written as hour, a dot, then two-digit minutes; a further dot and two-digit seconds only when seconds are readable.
12.27.00
